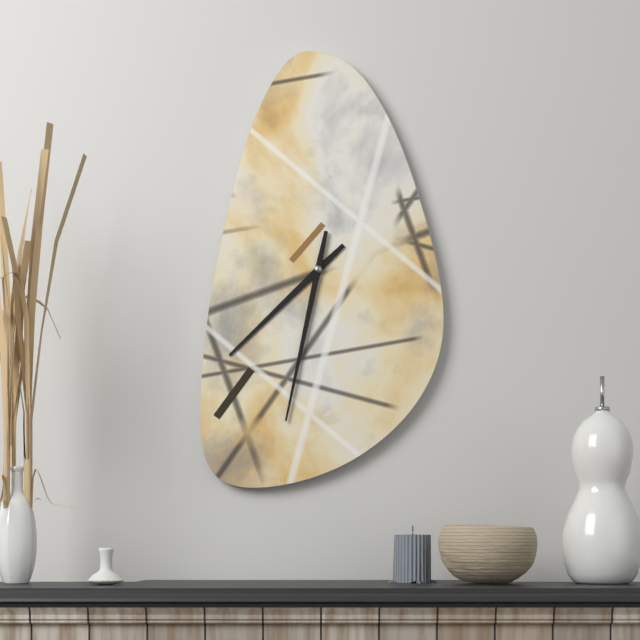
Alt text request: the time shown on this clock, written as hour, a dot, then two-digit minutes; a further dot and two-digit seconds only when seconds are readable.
7.32
